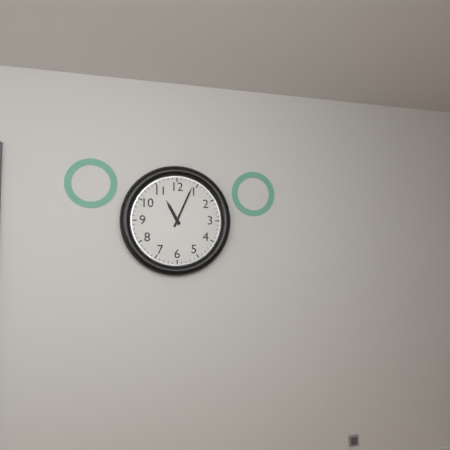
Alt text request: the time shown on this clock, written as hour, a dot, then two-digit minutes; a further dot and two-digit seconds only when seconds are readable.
11.04
